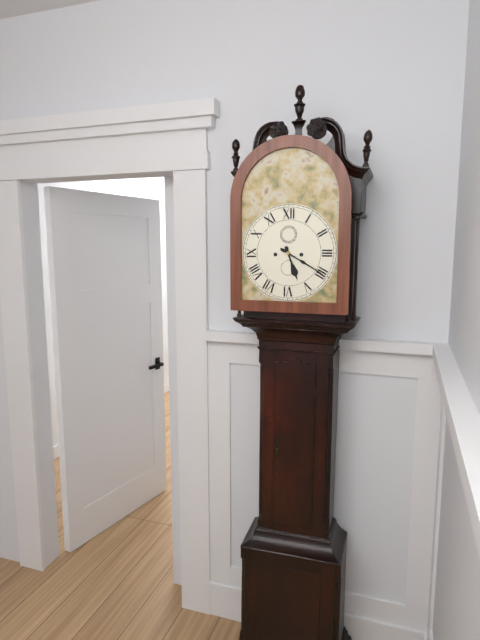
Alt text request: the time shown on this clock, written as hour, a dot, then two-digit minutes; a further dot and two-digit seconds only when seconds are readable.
5.20
